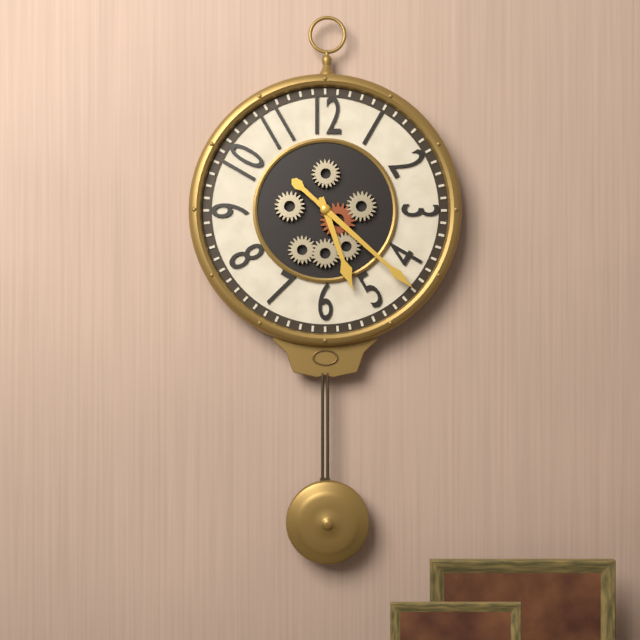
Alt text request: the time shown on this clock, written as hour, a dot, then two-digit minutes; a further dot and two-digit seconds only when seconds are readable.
5.22
